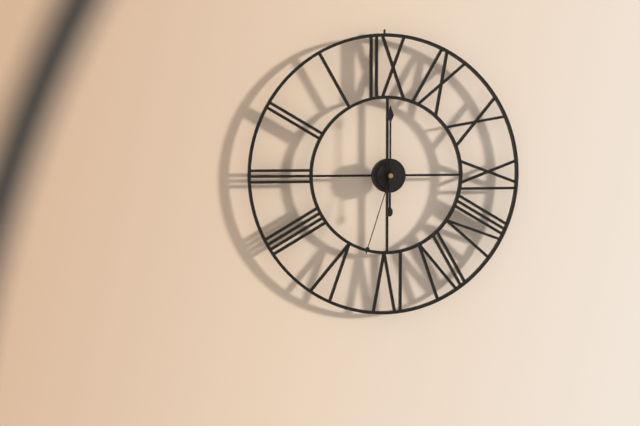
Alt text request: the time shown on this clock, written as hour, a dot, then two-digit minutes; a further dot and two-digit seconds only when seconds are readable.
6.00.33
